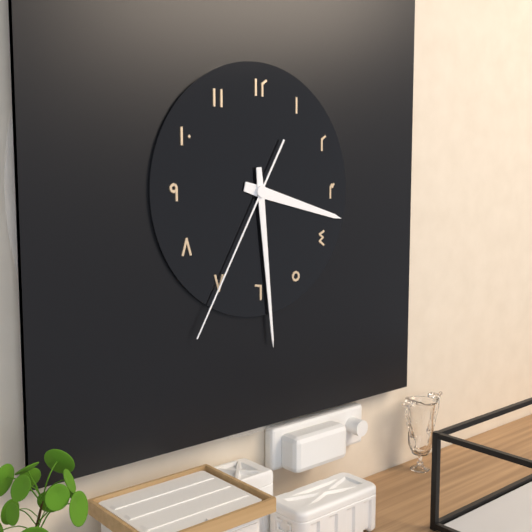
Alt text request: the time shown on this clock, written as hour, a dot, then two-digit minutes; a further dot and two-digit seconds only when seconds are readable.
3.29.35
